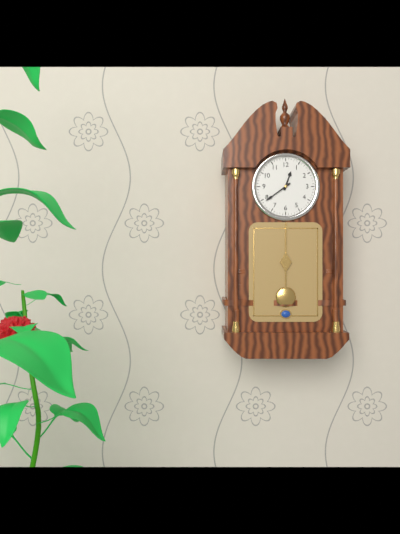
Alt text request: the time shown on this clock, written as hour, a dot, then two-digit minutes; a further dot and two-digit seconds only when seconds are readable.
12.39
